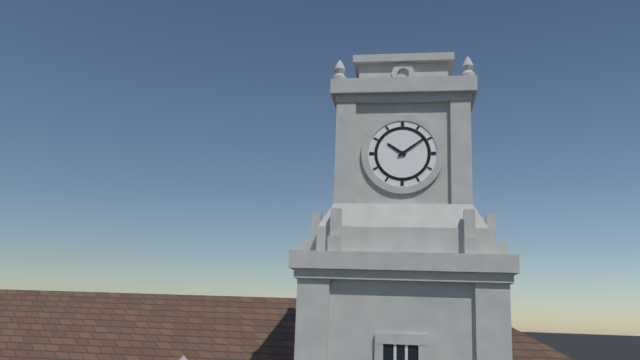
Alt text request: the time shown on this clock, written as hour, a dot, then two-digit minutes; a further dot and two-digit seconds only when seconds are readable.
10.09
